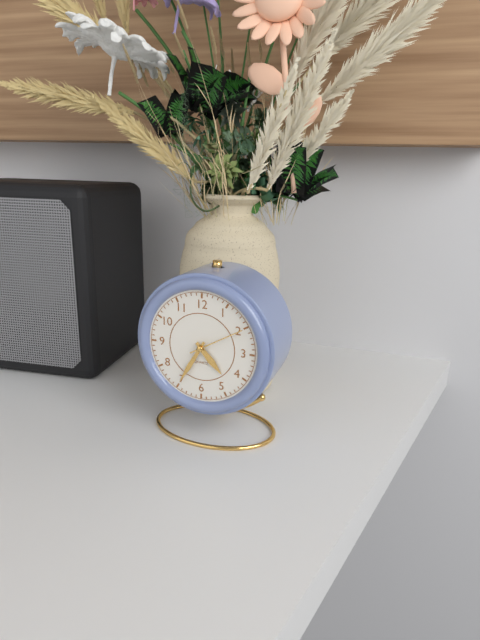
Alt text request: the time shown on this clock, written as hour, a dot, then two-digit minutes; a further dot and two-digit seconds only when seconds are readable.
4.35.10
